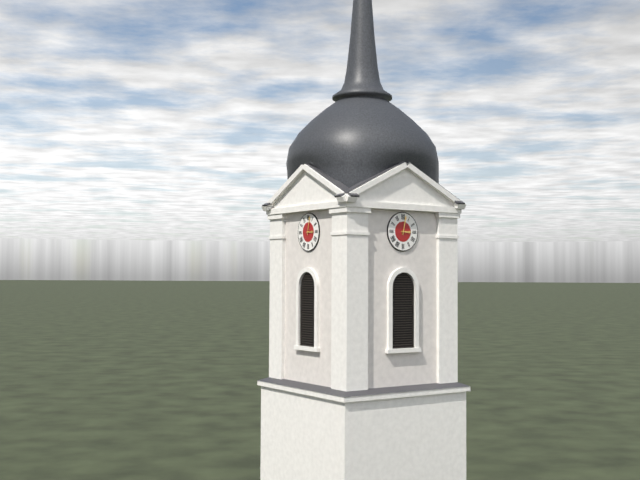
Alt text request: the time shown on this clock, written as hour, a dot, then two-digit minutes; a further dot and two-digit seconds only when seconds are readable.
3.02
